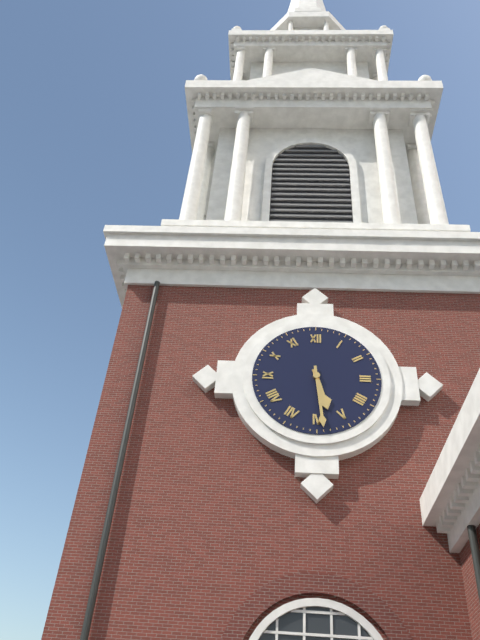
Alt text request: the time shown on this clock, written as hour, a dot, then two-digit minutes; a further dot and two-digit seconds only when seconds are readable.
5.29
